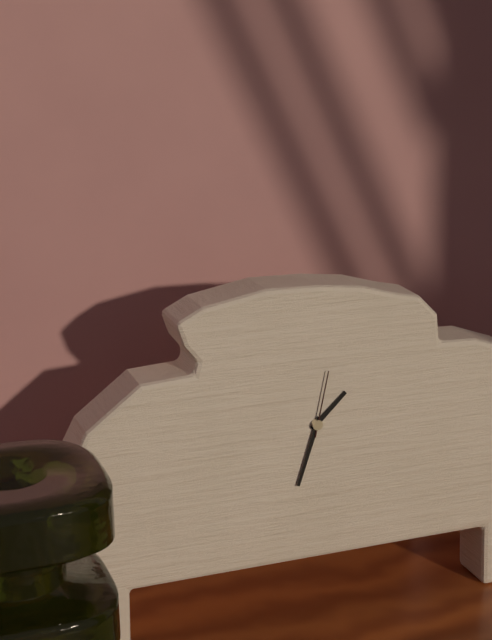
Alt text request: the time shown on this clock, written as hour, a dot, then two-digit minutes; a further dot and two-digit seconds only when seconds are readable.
1.33.02
